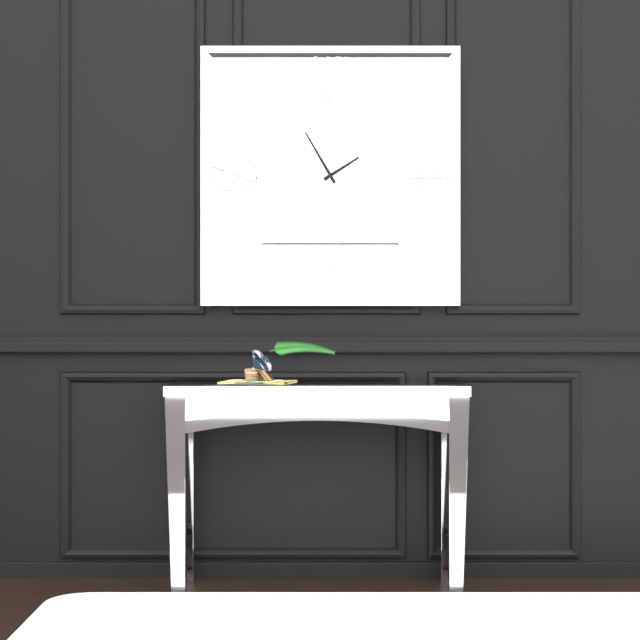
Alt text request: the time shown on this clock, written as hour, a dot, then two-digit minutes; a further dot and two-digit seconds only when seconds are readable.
1.55
